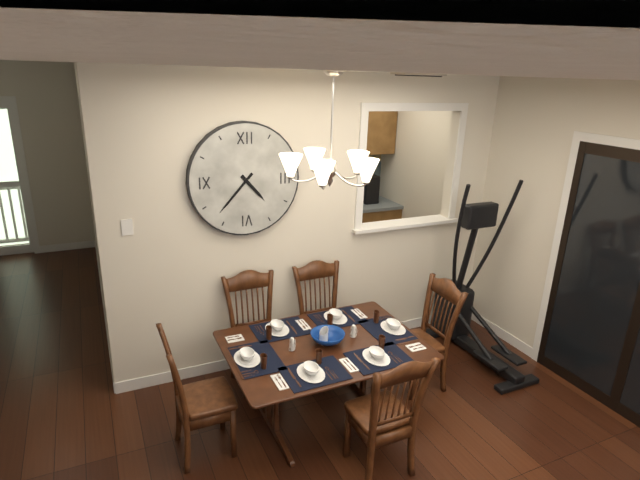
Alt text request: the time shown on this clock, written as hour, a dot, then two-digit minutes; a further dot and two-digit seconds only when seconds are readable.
4.37
